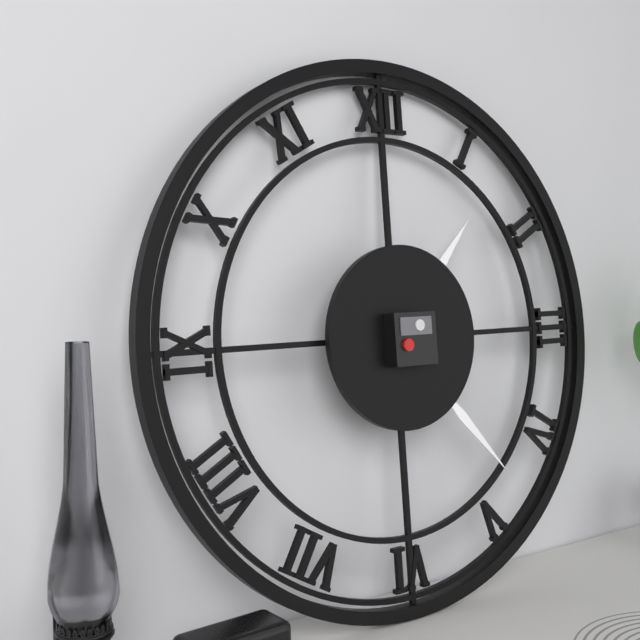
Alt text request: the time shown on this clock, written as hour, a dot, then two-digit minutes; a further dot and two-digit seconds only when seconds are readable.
1.23
